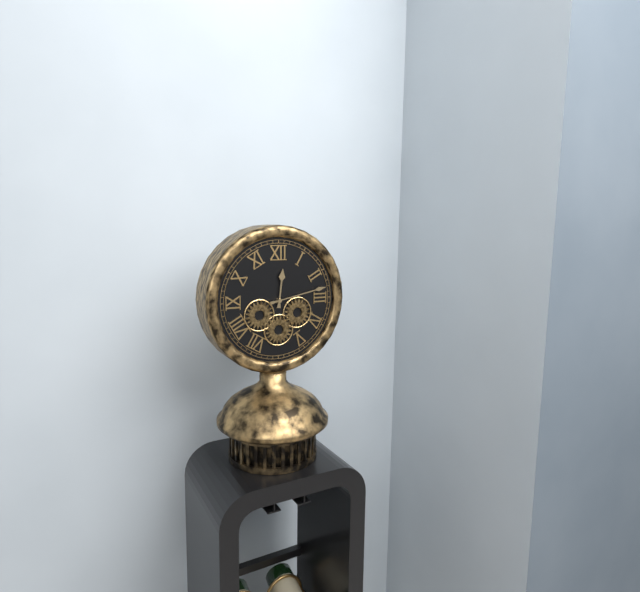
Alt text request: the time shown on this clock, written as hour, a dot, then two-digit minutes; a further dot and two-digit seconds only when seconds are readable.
12.13
